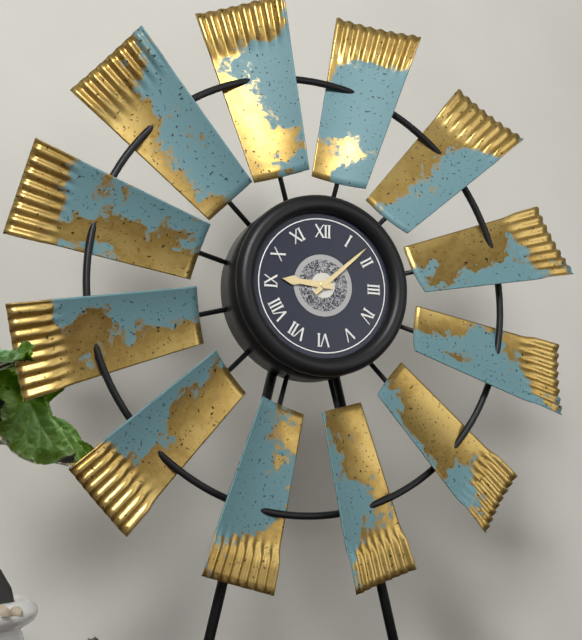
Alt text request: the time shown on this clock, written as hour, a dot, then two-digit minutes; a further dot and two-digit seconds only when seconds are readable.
9.08
